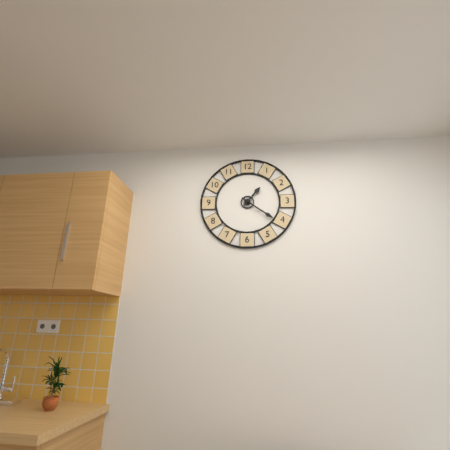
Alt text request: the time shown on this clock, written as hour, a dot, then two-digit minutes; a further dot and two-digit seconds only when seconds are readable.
1.21
